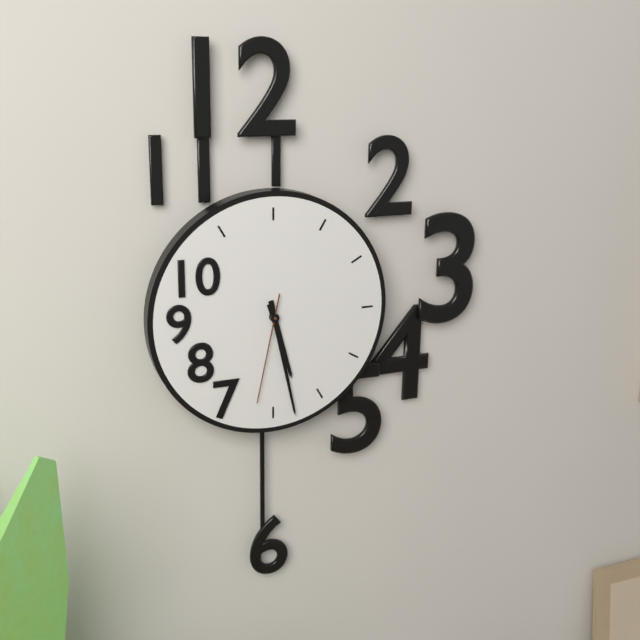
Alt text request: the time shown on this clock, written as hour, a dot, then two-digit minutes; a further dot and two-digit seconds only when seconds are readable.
5.28.32
